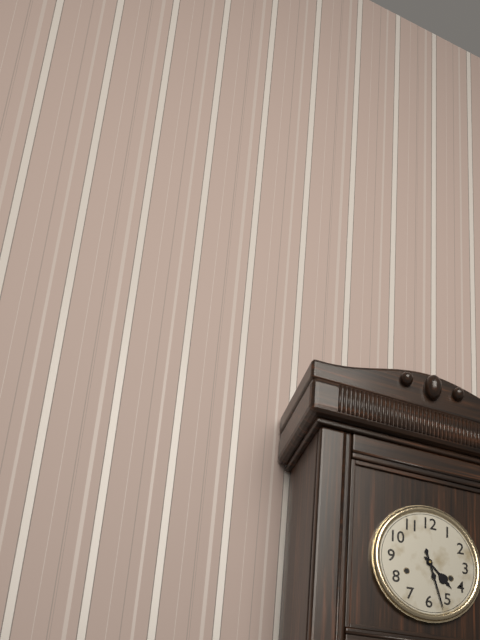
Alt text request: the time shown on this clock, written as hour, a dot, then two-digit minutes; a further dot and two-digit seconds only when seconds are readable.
4.27
